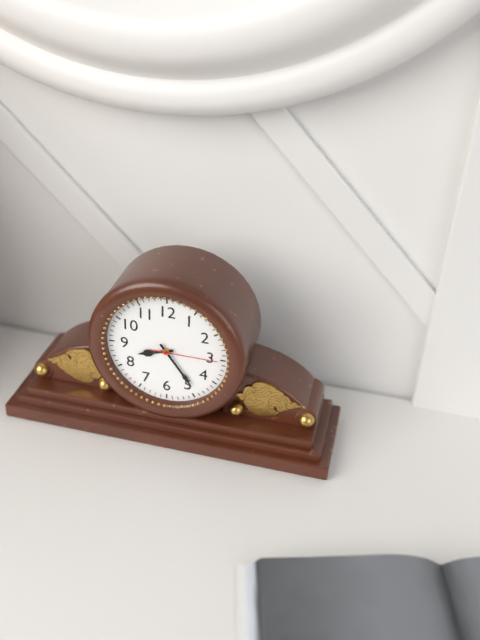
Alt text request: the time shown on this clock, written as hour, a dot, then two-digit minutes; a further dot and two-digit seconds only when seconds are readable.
8.24.15
